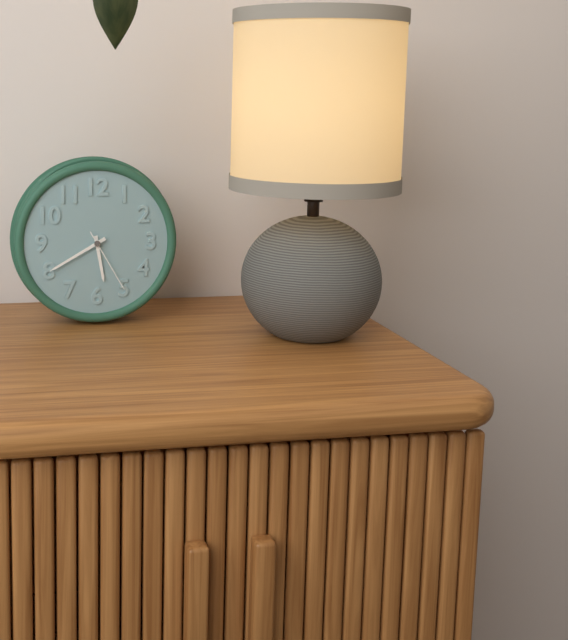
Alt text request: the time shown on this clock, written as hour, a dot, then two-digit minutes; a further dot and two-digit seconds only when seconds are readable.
5.40.25
